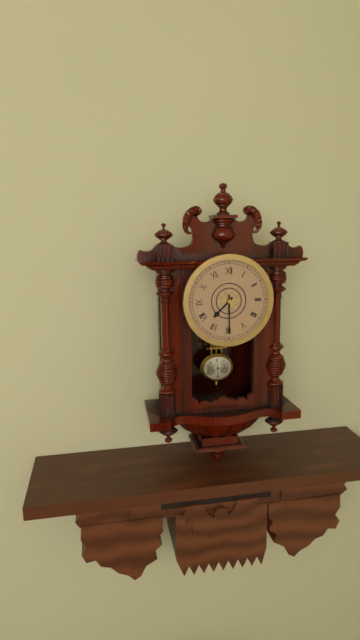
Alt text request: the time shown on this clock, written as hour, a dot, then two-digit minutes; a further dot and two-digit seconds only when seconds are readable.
7.30
